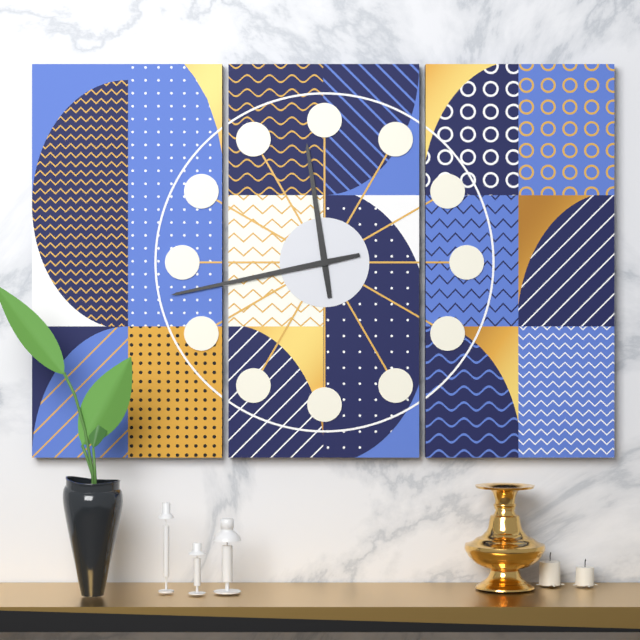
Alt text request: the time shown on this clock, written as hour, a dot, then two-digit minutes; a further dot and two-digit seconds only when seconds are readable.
11.43
